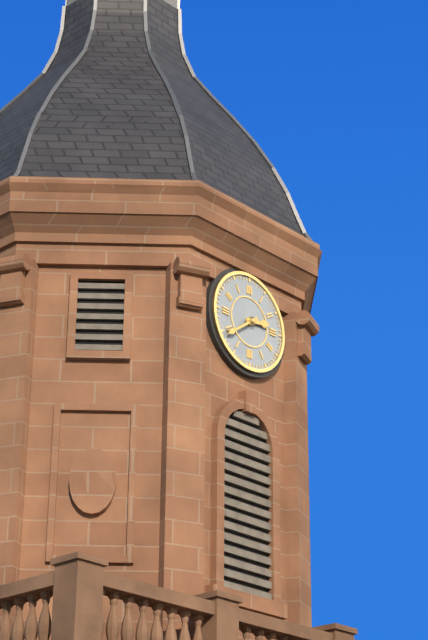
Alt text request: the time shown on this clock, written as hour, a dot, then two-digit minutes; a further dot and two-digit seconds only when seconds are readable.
2.39
